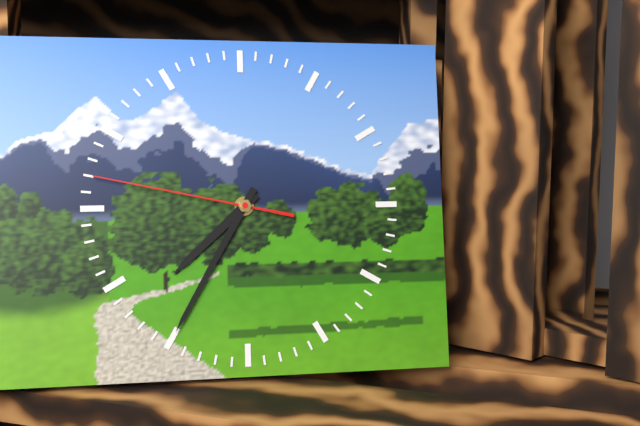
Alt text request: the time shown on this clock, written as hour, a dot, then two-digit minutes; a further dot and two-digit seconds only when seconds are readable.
7.35.47
